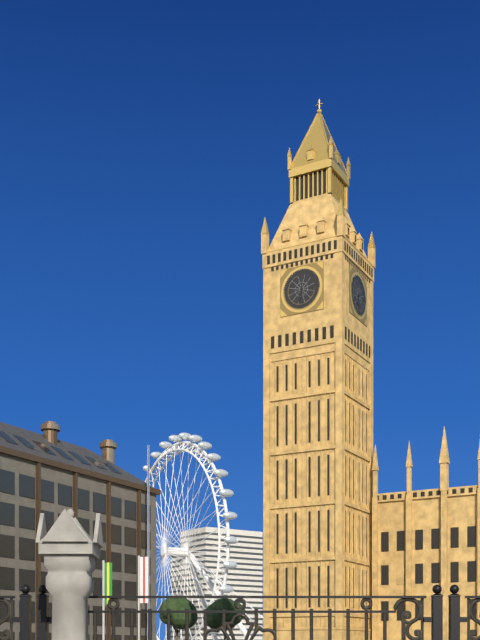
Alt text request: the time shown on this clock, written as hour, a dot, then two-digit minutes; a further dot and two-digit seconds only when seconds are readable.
6.29
